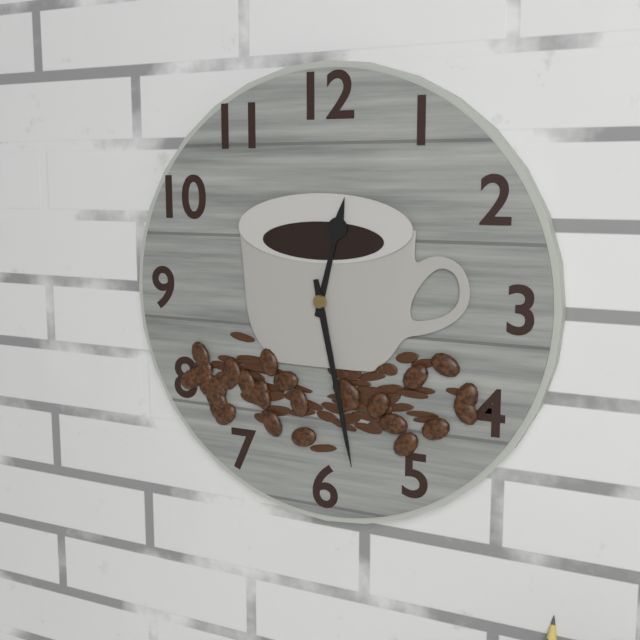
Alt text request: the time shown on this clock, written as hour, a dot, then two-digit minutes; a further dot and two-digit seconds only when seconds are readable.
12.28
